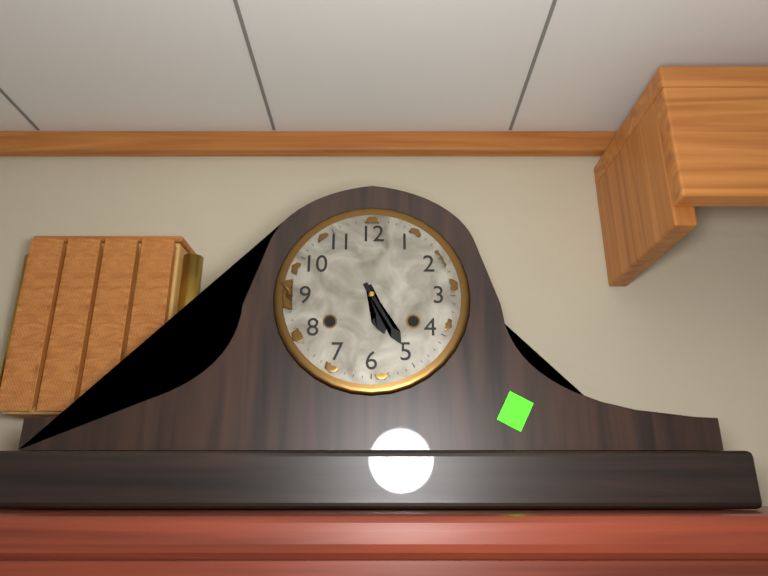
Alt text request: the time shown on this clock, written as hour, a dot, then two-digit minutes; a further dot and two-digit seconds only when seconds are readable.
5.25
